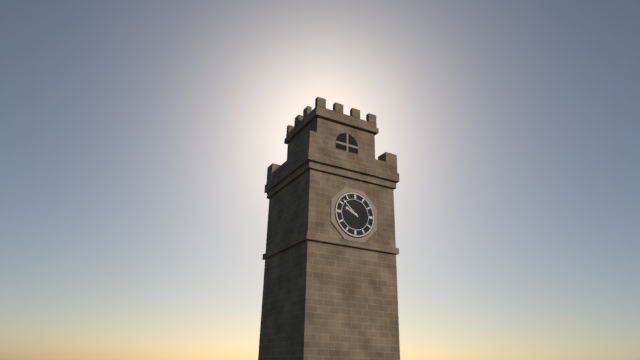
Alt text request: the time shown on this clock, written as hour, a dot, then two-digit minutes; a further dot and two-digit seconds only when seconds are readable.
9.52
